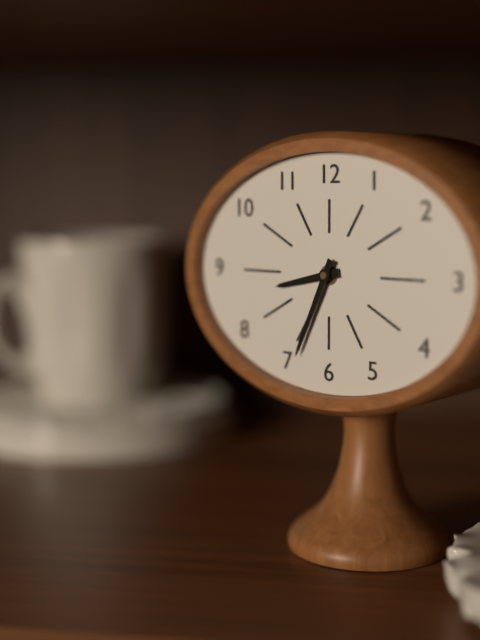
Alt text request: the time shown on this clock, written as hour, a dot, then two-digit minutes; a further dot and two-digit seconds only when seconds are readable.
8.34
